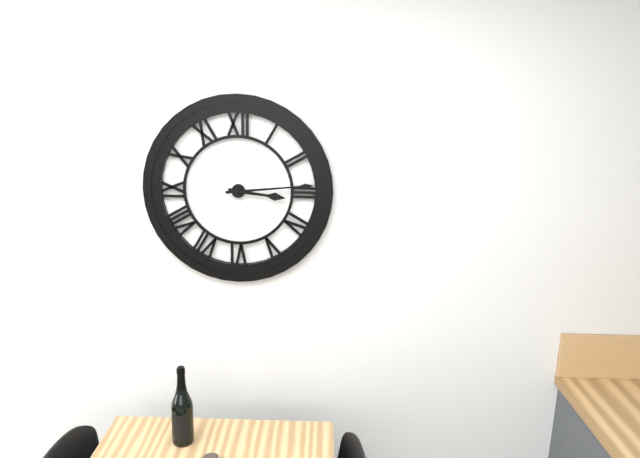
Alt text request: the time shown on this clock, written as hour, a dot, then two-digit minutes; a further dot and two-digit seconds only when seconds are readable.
3.14
